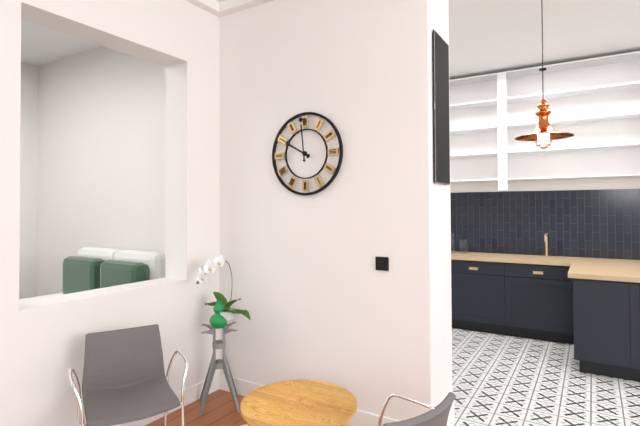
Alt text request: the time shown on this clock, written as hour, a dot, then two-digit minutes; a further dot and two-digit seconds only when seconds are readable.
9.59
